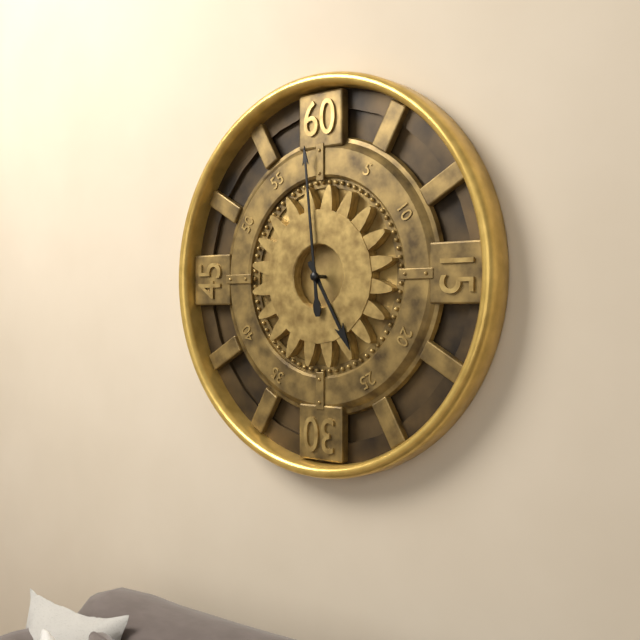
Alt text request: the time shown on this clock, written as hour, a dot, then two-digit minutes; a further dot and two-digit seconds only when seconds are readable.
4.59
